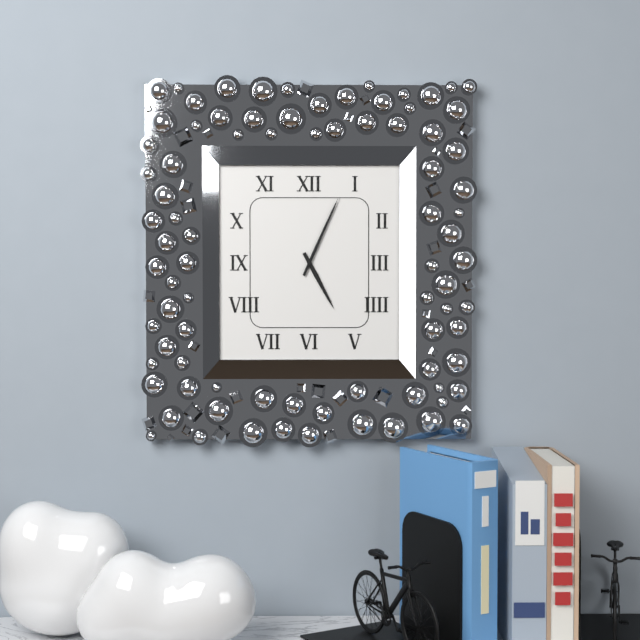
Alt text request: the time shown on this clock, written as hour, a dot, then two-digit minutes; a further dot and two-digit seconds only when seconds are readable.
5.04
